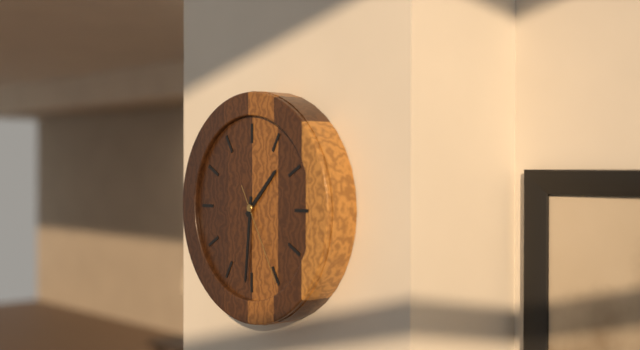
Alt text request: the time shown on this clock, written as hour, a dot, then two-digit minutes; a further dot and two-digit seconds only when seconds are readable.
1.31.25
